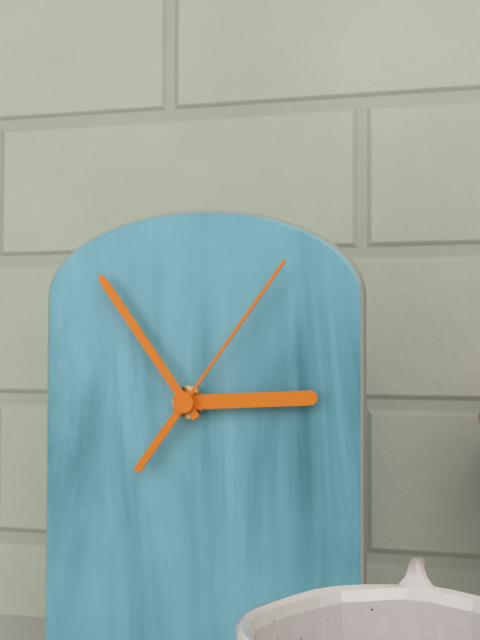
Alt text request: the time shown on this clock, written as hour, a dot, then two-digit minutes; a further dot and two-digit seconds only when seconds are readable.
2.54.06
